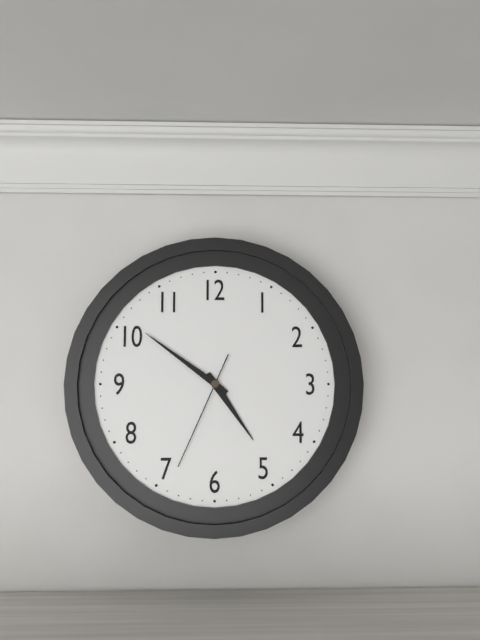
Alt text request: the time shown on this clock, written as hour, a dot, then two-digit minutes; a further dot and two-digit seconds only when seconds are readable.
4.51.34
